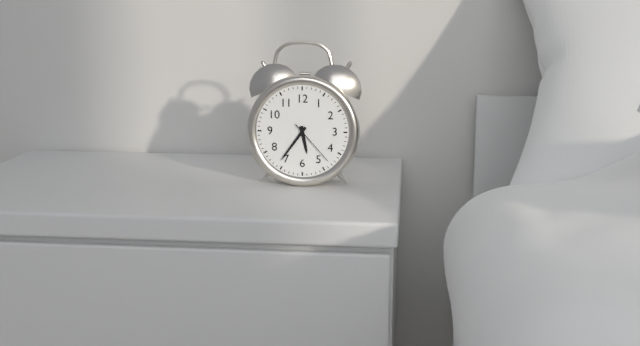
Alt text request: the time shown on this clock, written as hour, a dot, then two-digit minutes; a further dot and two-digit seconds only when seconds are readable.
5.36
